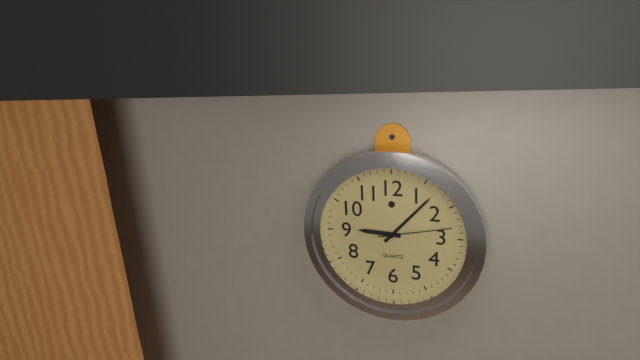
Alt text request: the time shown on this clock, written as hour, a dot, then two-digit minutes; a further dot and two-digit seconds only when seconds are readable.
9.07.13
